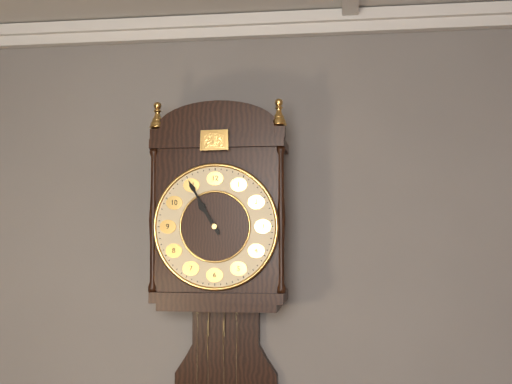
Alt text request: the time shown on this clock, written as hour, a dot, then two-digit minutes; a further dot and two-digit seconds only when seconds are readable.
10.55
